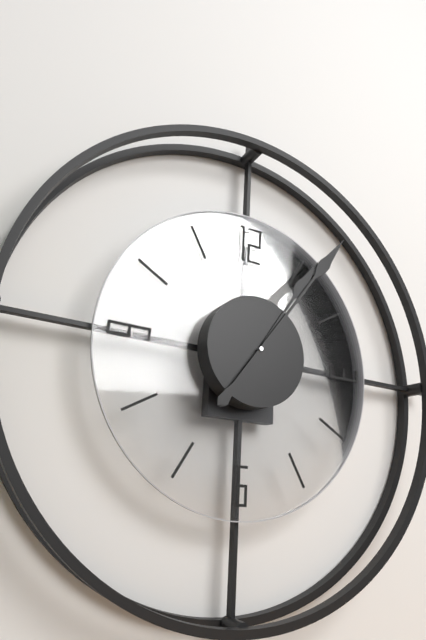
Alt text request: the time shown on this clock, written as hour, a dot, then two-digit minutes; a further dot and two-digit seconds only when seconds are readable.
1.06
